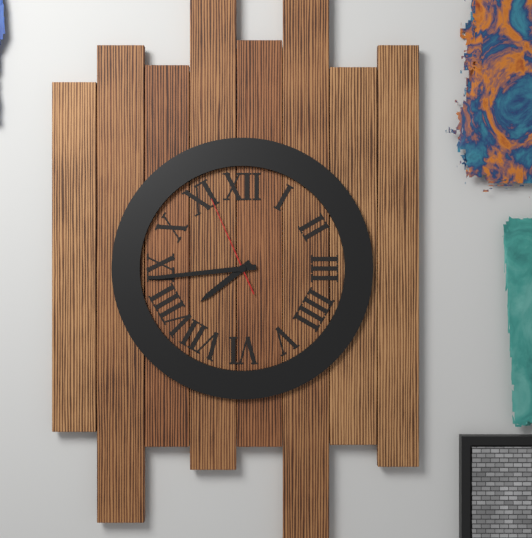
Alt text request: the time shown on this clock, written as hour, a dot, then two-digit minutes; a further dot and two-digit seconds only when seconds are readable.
7.44.56
